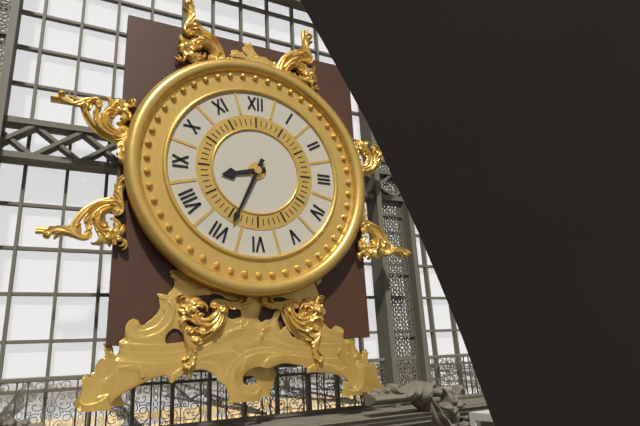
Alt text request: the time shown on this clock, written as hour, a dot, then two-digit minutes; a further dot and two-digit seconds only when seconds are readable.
8.34
